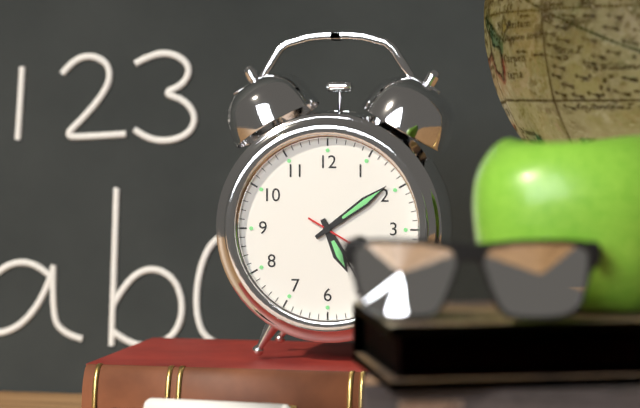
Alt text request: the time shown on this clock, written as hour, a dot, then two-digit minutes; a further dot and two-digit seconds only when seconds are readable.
5.09
